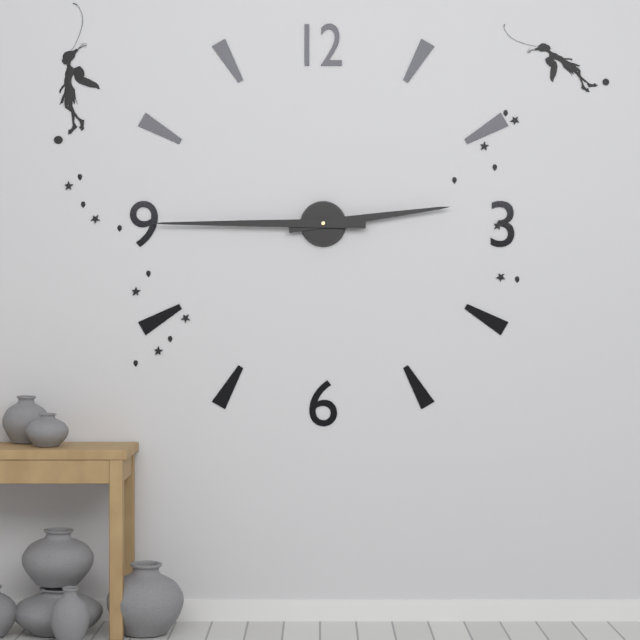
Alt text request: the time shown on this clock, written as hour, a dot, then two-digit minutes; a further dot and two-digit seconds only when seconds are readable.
2.45
